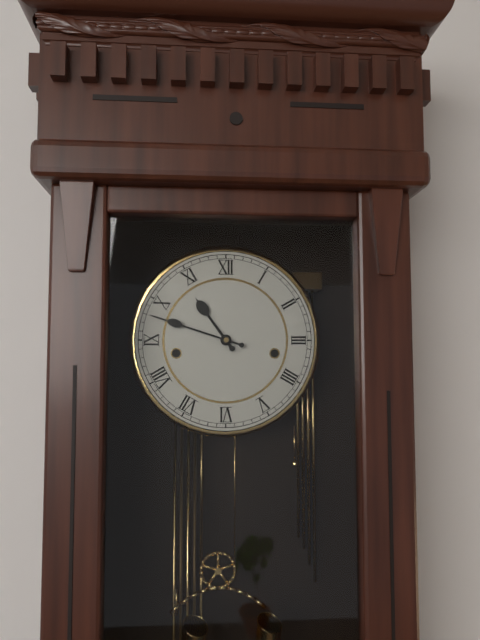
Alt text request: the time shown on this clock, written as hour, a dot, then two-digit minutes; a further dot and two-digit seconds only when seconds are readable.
10.48
